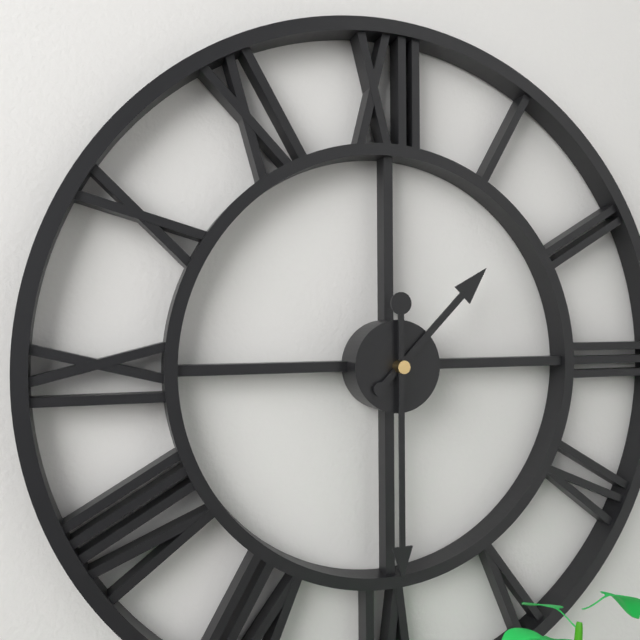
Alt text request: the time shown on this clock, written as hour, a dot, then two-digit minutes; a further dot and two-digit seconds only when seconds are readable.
1.30
